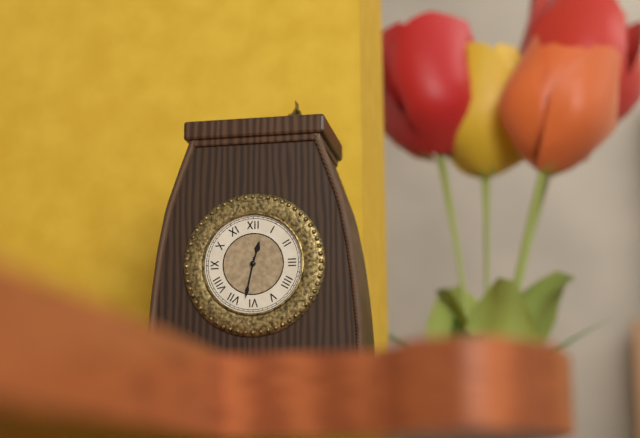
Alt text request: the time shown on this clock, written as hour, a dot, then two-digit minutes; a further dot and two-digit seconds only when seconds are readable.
12.32
